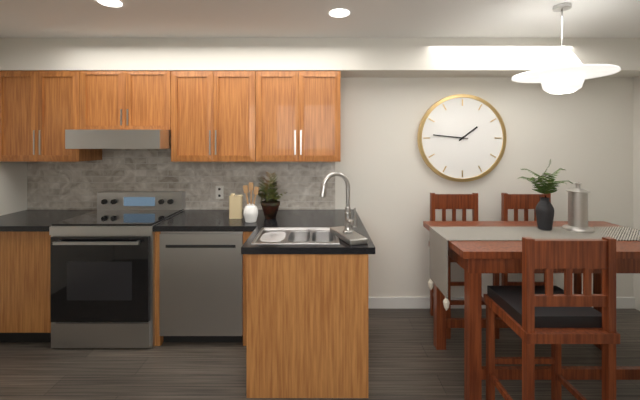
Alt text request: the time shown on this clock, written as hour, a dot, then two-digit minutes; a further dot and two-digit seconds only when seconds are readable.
1.46
